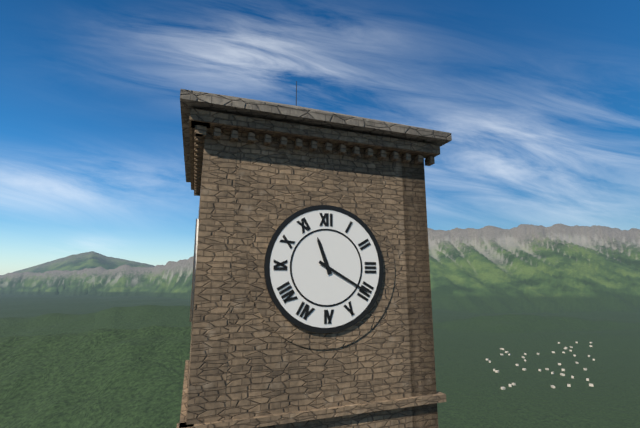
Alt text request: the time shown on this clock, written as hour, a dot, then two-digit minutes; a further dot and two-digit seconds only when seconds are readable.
11.20
